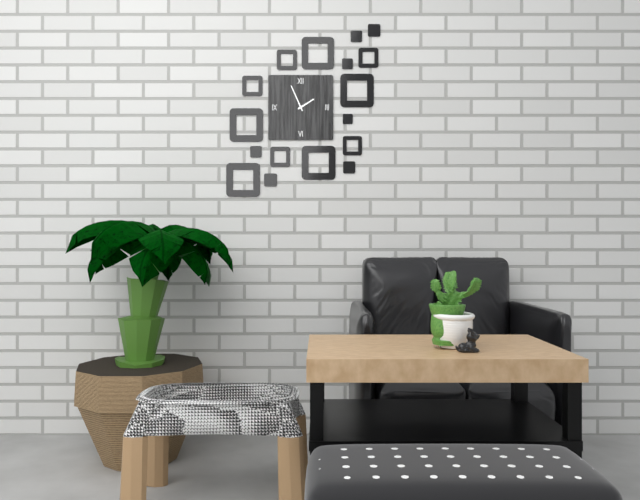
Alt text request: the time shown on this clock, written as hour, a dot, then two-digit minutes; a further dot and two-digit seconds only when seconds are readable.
1.56
